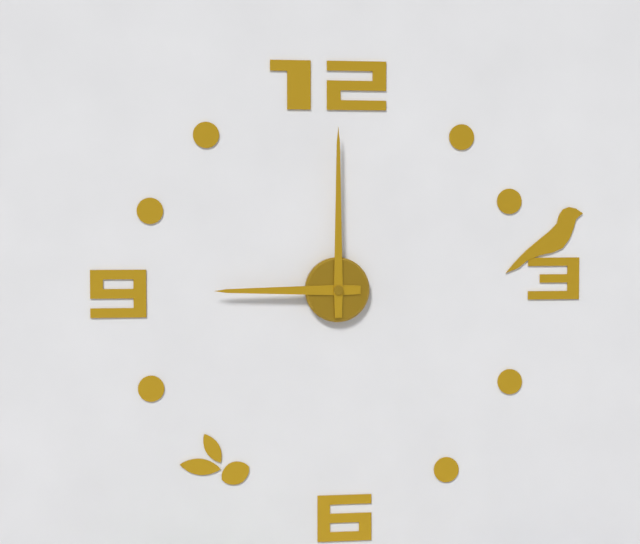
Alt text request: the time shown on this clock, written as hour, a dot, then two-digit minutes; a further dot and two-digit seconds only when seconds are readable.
9.00
